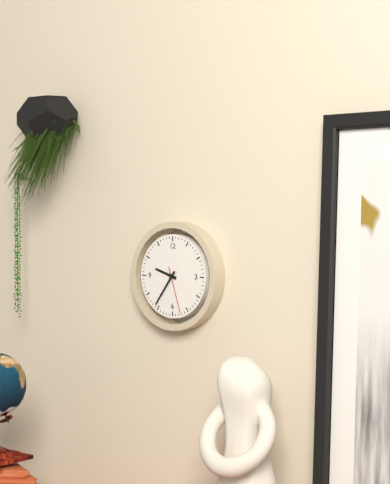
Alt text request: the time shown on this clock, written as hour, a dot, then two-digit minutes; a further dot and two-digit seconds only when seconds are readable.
9.36
